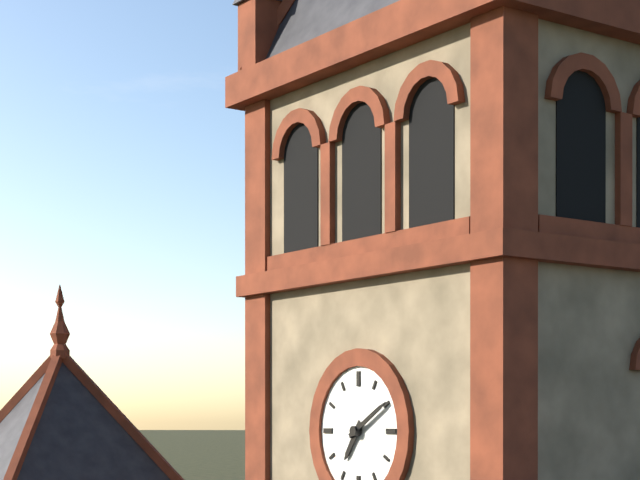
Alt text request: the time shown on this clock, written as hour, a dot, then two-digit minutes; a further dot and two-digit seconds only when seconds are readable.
7.10
